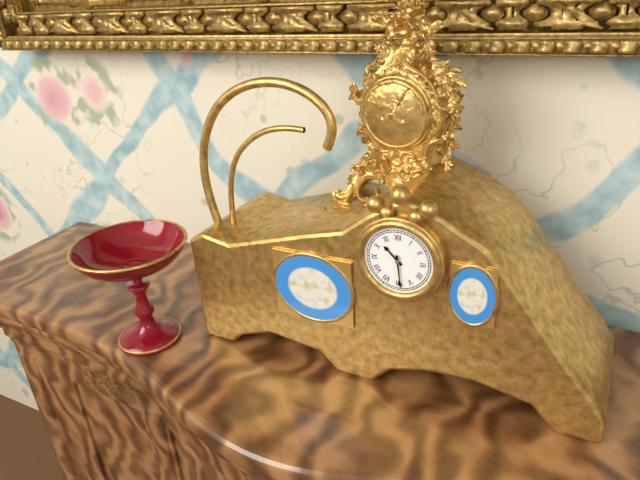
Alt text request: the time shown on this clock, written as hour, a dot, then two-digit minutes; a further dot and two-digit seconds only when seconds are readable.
10.29
